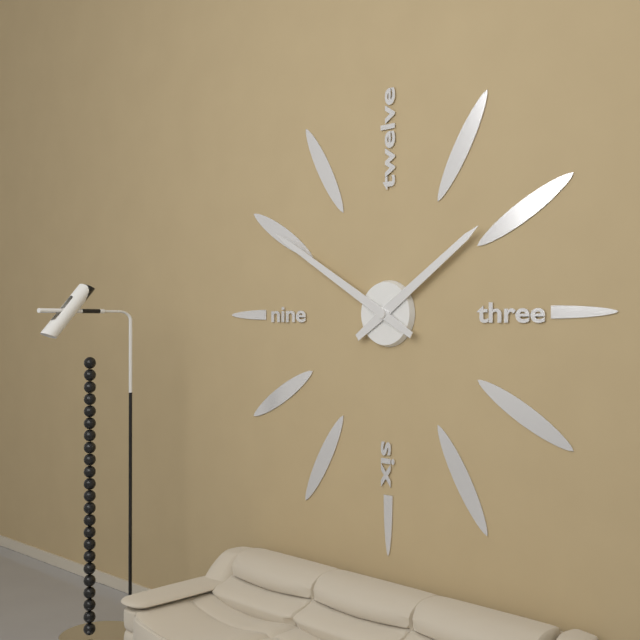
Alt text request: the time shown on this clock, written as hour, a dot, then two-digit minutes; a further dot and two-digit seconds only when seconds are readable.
1.50
